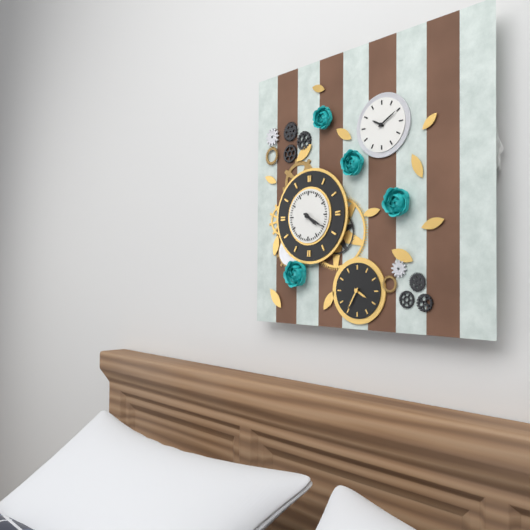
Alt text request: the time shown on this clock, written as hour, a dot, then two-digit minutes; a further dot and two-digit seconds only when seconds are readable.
4.20
